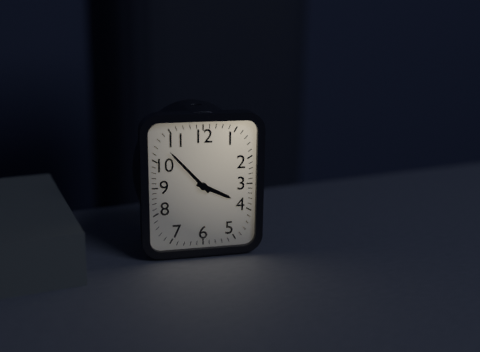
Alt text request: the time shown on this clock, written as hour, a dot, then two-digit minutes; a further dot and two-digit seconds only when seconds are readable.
3.53
